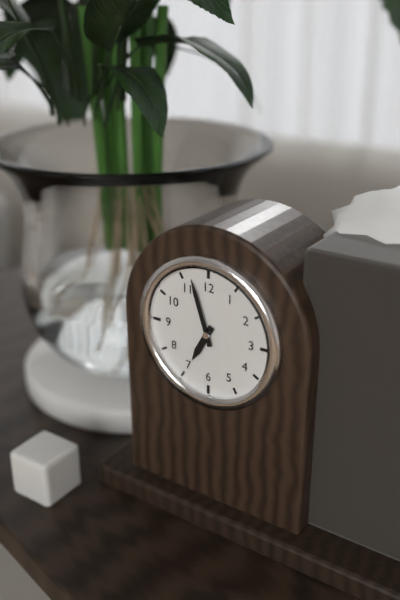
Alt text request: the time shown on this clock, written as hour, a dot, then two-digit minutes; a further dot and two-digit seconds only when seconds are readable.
6.57
